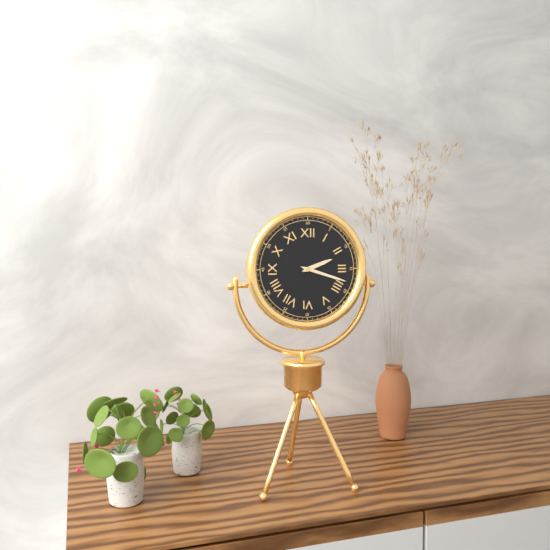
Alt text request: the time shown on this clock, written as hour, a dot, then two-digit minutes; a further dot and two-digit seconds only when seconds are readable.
2.18
